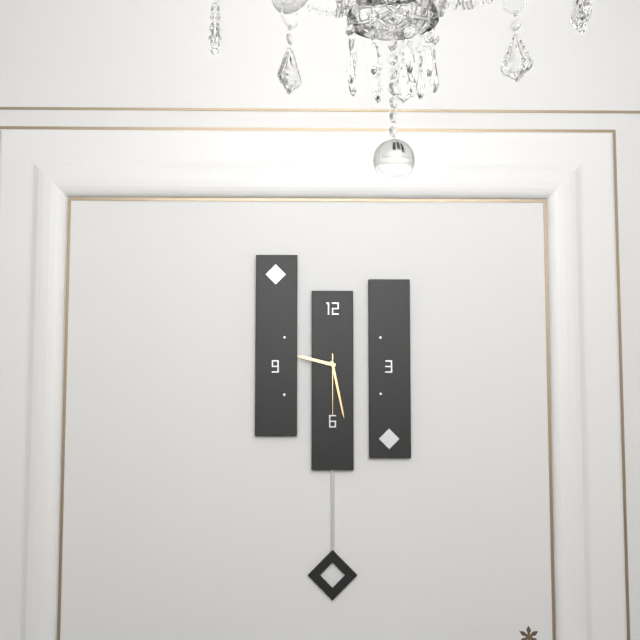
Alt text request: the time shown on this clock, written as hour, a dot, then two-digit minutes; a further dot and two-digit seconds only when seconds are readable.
9.28.30
